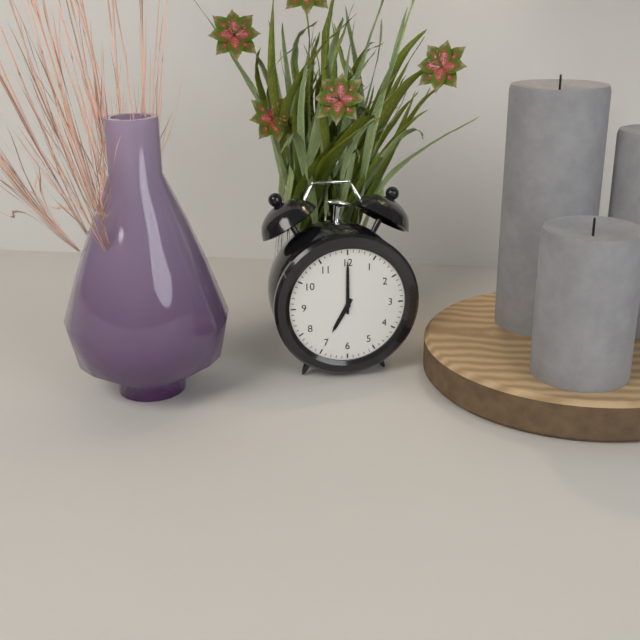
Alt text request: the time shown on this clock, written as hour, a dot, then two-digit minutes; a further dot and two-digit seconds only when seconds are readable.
7.00
